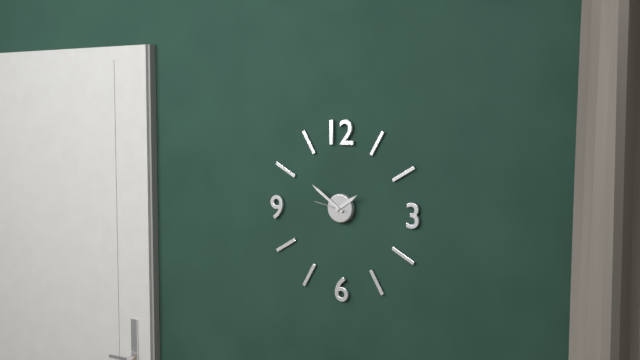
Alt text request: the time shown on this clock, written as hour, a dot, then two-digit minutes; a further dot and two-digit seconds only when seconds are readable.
1.51
